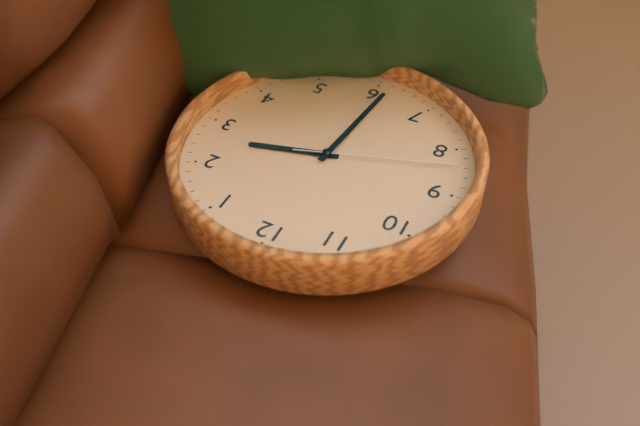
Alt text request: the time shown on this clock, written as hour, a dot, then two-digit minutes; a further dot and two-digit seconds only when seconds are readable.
2.31.42
